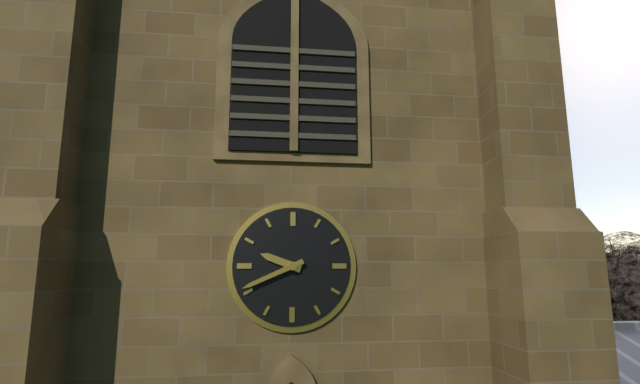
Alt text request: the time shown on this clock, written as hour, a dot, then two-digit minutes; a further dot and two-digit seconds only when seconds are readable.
9.41
